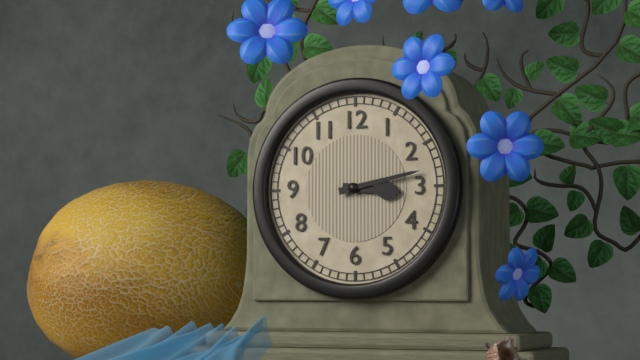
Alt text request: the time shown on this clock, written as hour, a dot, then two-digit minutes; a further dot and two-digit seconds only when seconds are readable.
3.13
